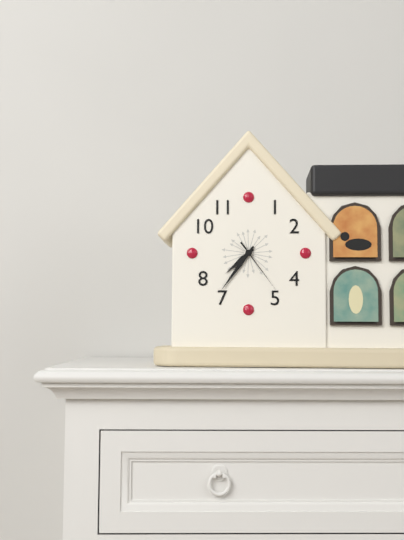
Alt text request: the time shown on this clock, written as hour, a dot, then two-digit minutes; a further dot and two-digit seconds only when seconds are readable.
7.36.24
